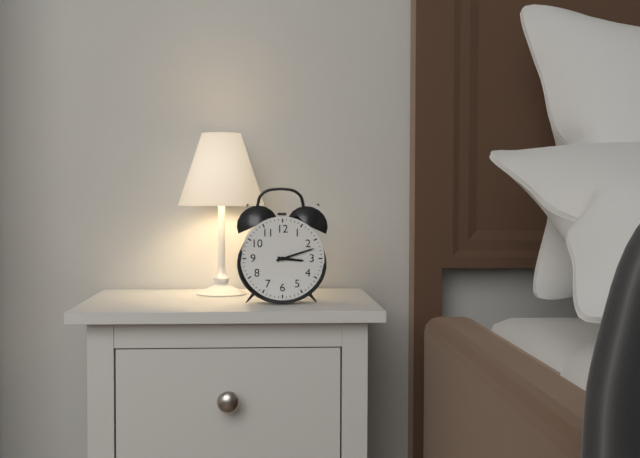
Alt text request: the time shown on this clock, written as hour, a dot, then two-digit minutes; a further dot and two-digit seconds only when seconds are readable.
3.12
